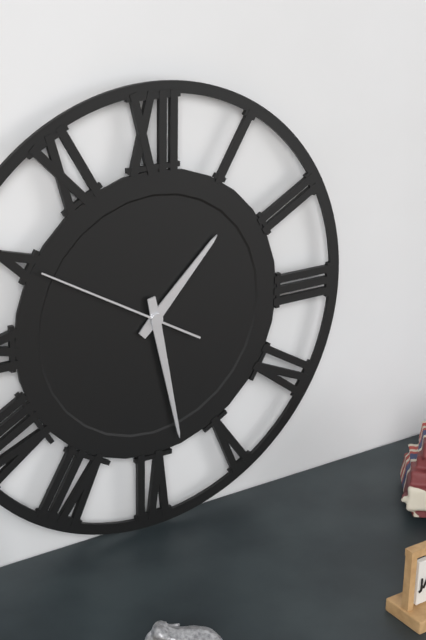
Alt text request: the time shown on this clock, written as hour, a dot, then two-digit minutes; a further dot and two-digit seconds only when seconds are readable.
1.28.50
